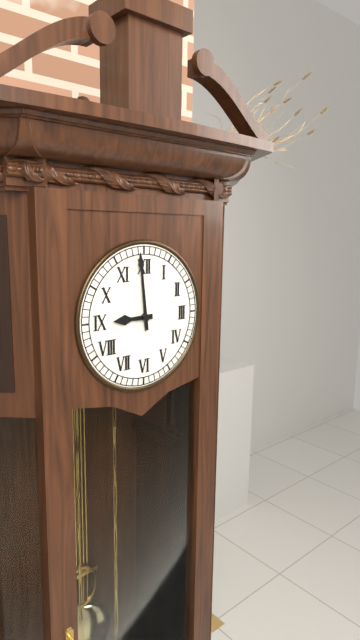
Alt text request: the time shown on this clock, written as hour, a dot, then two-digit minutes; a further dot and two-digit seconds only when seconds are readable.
8.59
